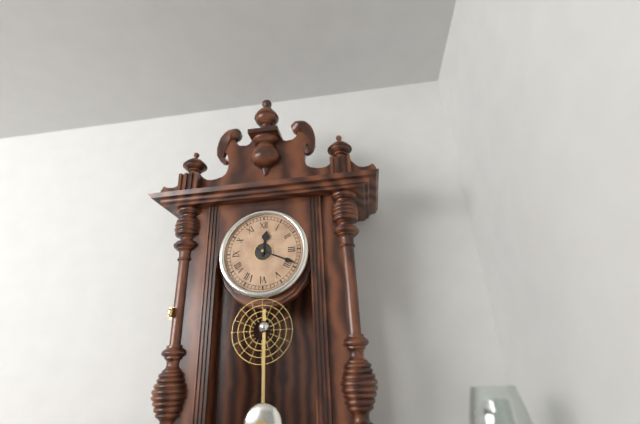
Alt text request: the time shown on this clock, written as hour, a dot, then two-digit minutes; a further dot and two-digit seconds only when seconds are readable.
12.19
